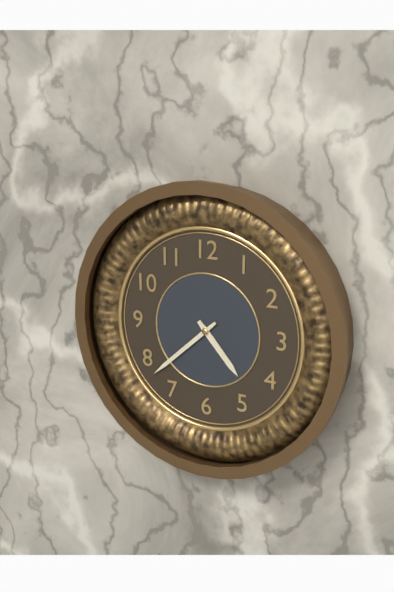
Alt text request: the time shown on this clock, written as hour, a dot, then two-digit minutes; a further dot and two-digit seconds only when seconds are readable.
4.38
